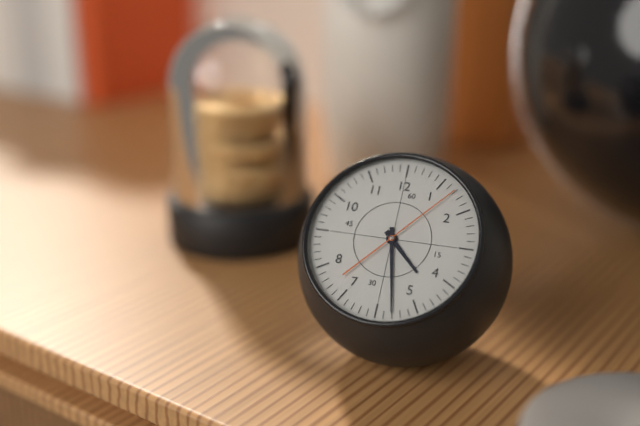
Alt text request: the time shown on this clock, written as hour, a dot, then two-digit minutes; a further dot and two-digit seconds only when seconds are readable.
4.28.07
